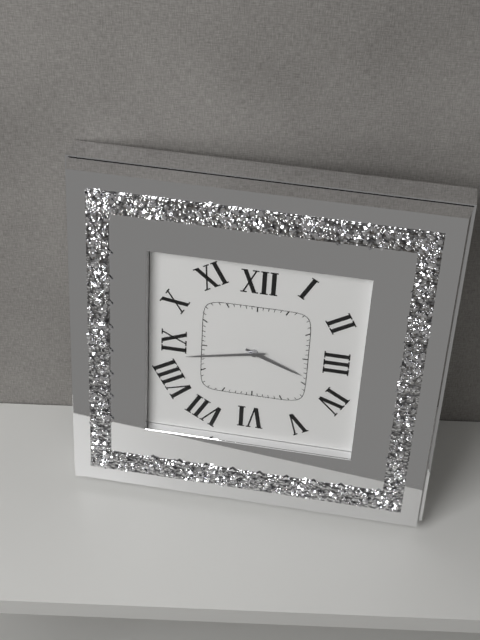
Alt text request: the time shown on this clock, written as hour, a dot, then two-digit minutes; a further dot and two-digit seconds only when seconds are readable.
3.43
